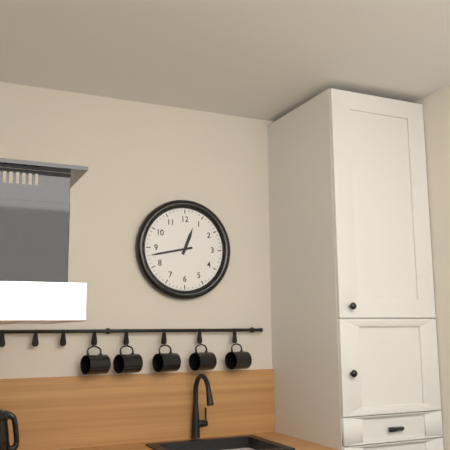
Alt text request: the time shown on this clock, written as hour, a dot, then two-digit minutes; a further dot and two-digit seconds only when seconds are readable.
12.43
